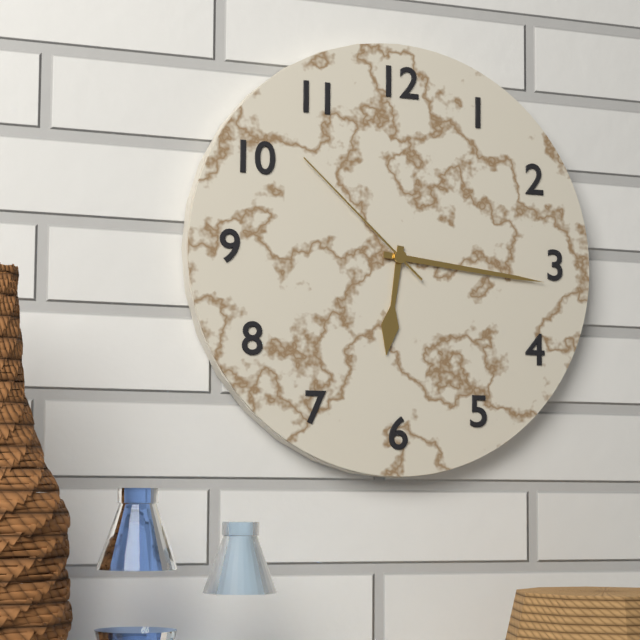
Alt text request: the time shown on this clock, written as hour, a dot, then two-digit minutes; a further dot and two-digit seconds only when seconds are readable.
6.16.52
